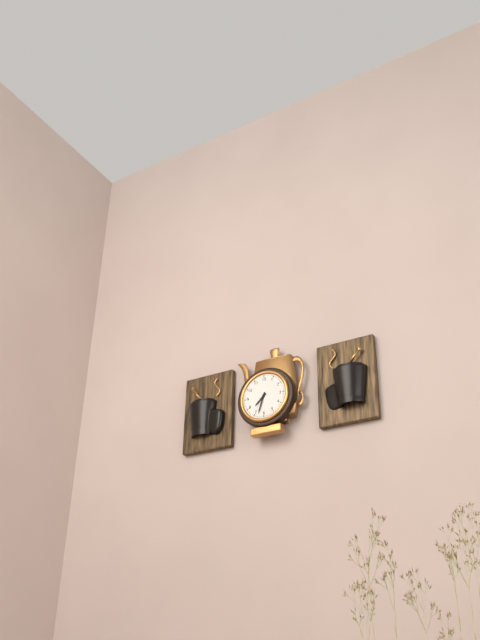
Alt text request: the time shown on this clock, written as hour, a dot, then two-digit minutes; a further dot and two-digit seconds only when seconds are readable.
7.33
